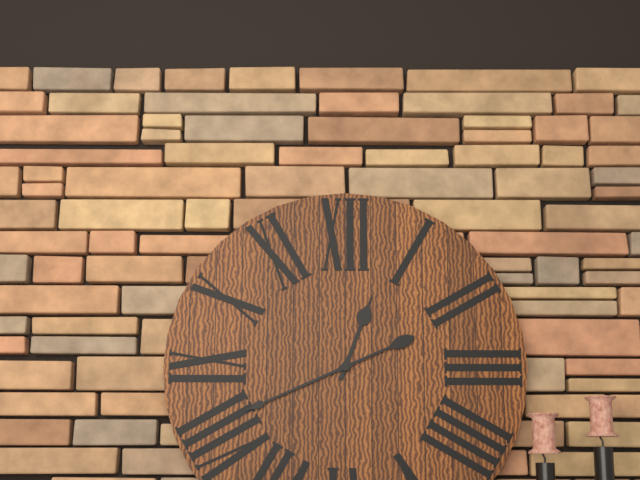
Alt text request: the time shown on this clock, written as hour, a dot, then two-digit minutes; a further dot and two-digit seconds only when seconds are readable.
12.41
